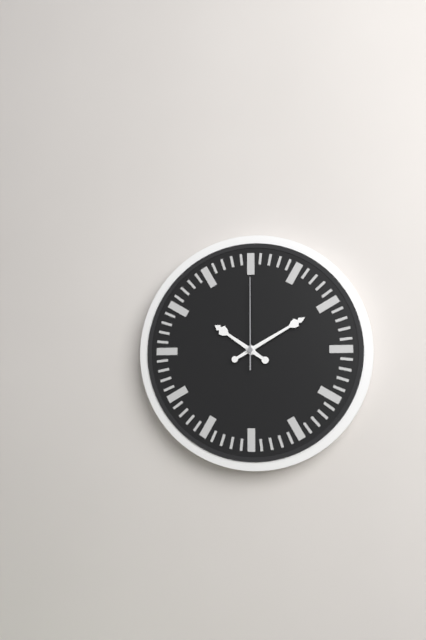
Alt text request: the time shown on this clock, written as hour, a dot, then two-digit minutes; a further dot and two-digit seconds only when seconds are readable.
10.10.00
